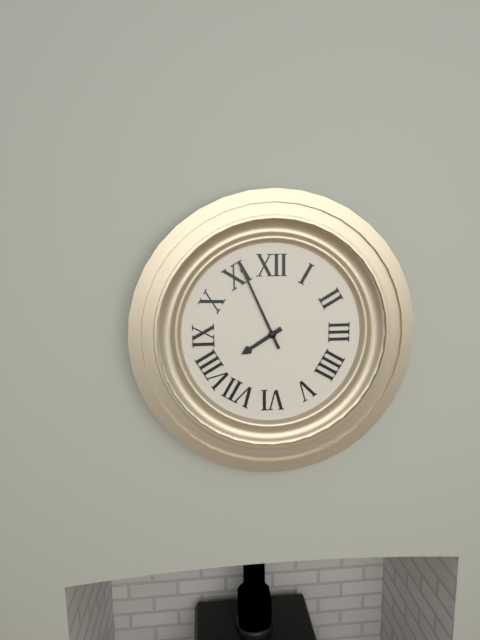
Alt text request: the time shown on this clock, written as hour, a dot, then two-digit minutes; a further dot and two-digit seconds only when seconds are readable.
7.56
